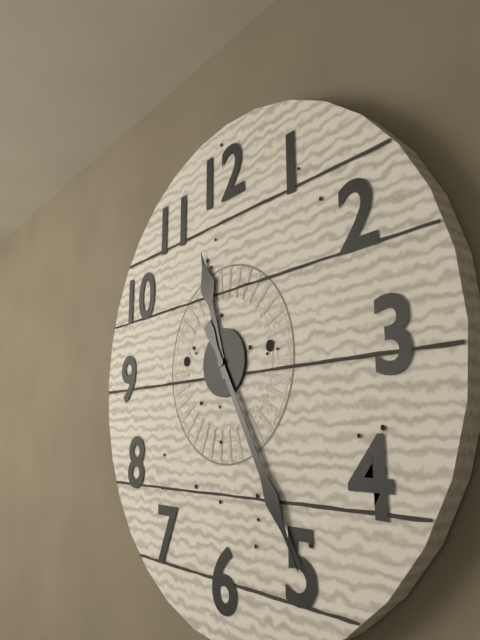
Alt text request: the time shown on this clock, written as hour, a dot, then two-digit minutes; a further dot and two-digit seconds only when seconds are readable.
11.25
